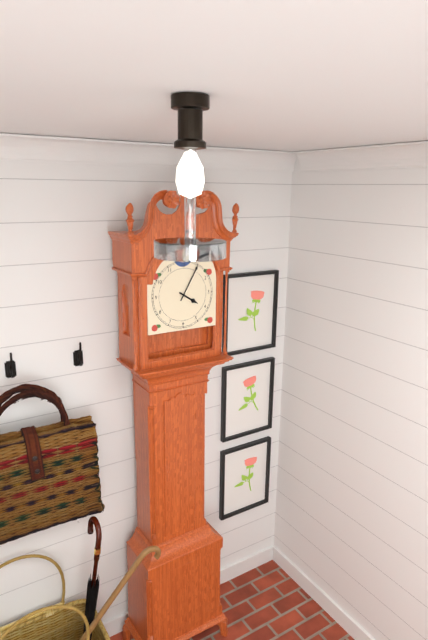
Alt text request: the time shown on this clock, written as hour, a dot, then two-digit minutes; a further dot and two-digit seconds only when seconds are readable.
4.05
